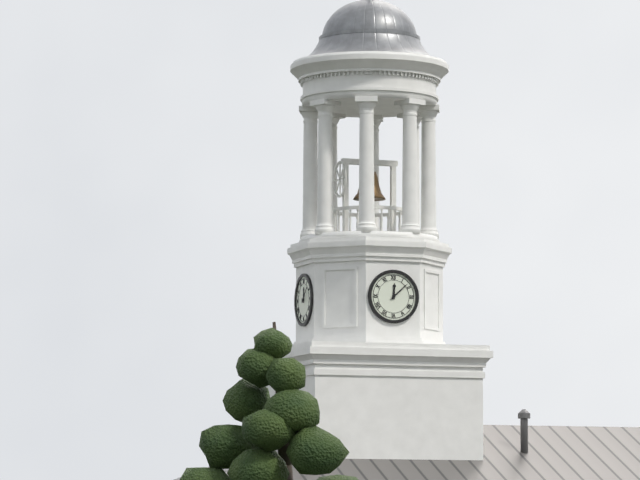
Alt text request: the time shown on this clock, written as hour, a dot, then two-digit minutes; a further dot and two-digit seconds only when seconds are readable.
12.08
